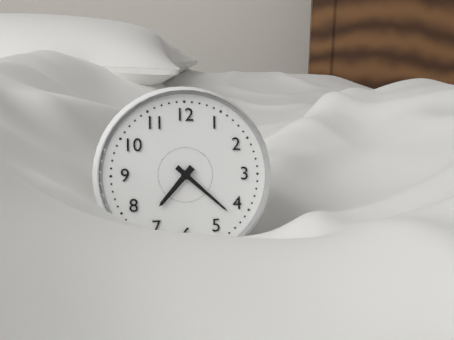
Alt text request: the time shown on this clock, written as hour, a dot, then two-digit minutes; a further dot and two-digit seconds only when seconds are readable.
7.22
